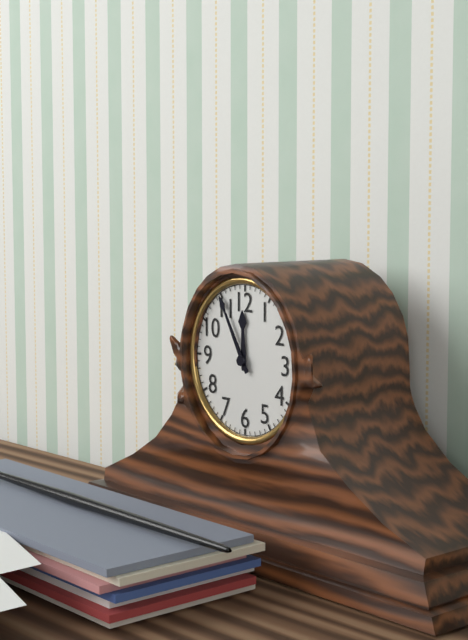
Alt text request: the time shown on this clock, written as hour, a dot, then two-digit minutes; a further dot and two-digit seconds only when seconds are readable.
11.55
